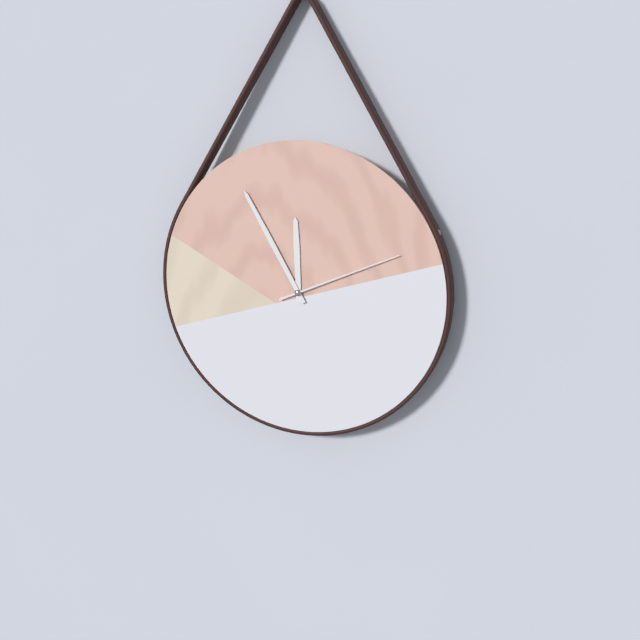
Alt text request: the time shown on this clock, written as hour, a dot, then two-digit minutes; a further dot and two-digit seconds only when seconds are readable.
11.55.11
